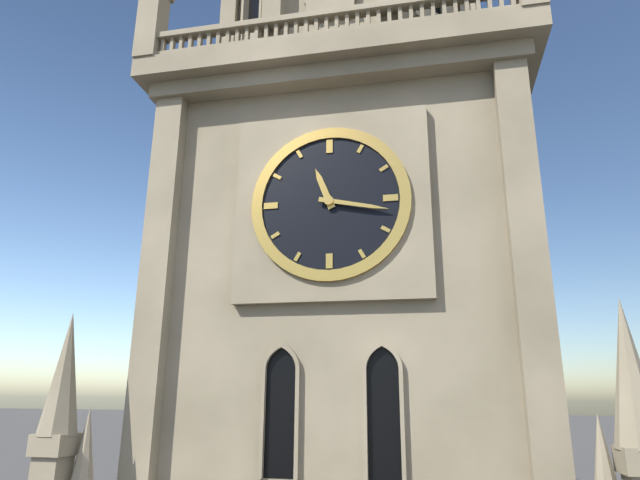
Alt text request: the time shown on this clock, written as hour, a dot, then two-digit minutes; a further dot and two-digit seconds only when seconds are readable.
11.17
